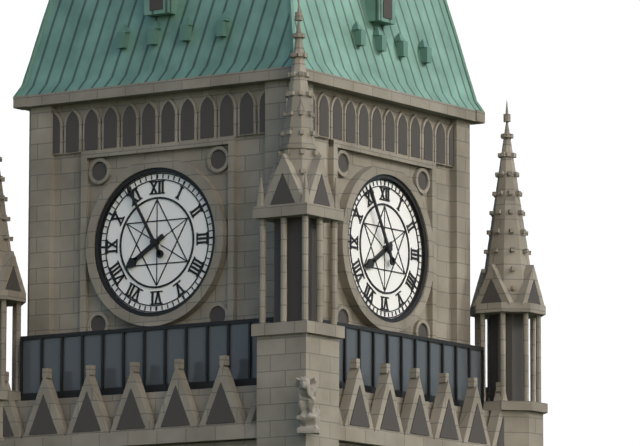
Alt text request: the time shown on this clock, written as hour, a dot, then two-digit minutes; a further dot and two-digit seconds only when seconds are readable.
7.55
